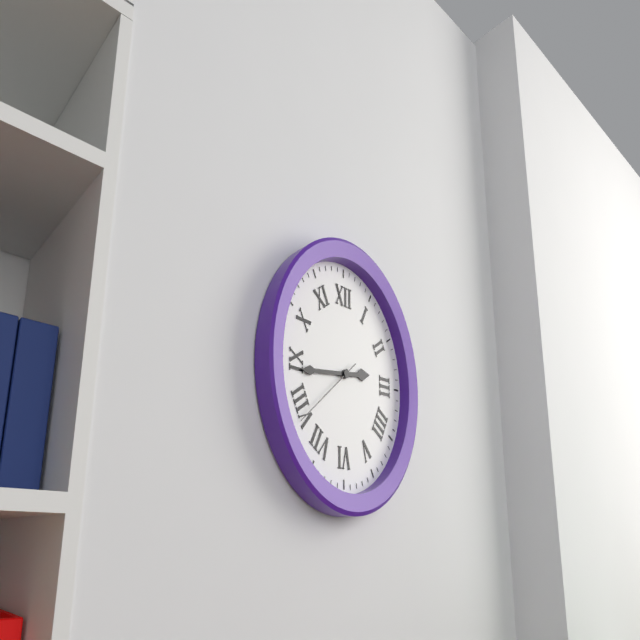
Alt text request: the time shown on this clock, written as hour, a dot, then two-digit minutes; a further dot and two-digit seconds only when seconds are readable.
2.44.39
